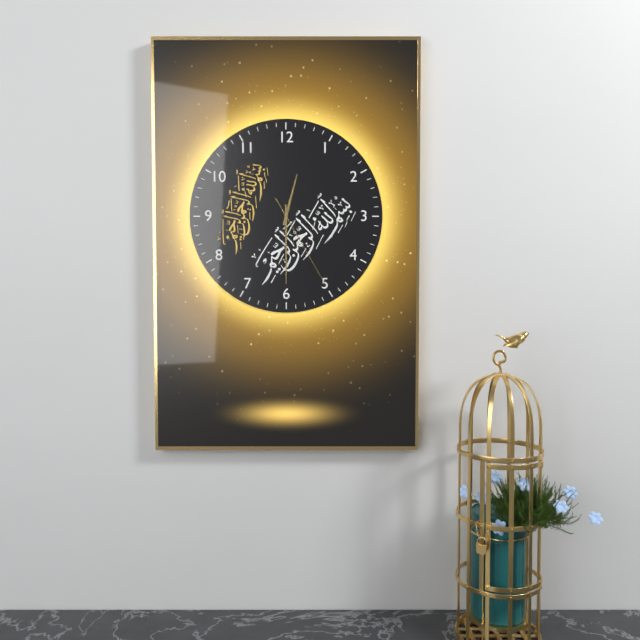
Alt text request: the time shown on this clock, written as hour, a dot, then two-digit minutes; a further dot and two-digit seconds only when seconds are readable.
12.30.25
